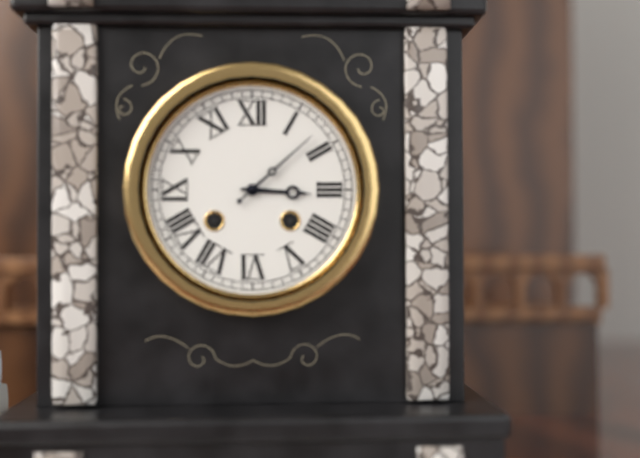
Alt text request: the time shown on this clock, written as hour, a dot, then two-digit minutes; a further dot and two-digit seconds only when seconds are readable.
3.08
